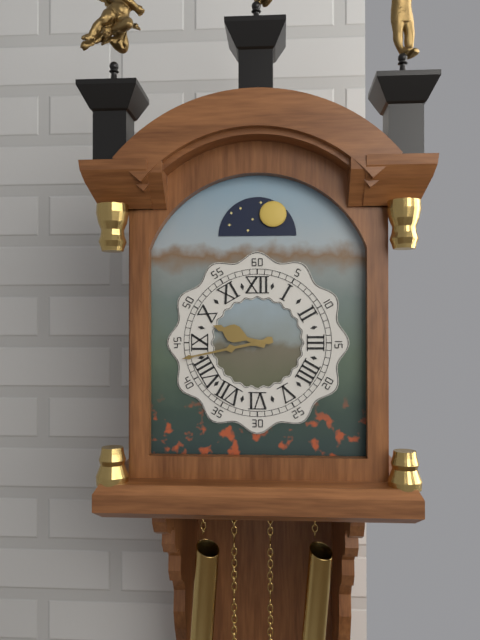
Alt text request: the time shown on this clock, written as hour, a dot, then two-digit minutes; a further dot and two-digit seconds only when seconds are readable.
9.43
